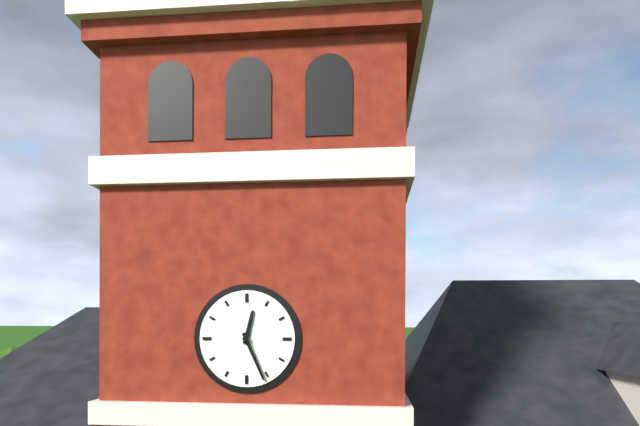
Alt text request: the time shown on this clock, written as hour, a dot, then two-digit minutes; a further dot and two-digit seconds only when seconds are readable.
12.26
